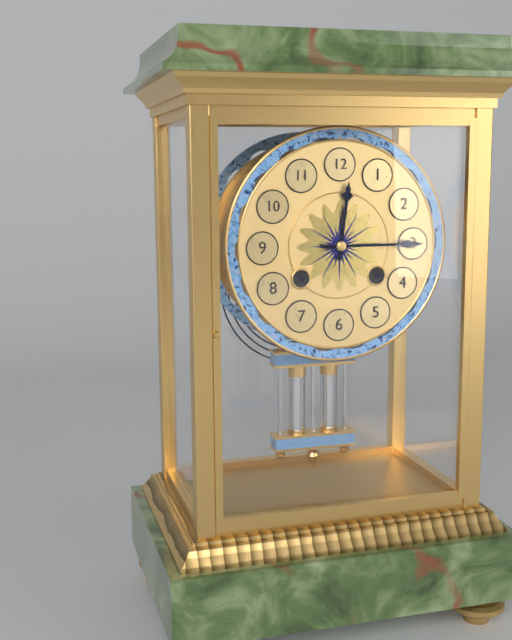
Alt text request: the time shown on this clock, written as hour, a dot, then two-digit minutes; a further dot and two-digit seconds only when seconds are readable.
12.15
